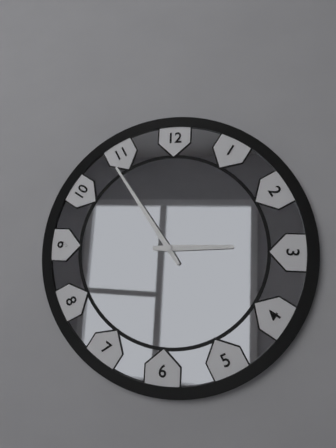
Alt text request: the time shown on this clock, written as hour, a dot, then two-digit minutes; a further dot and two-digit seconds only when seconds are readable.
2.54
